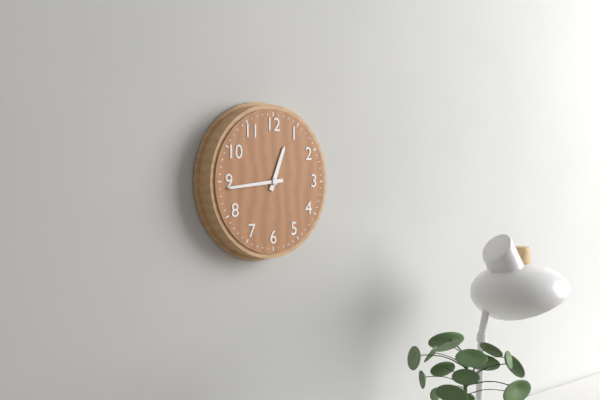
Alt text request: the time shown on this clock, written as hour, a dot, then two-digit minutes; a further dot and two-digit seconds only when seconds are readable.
12.44
